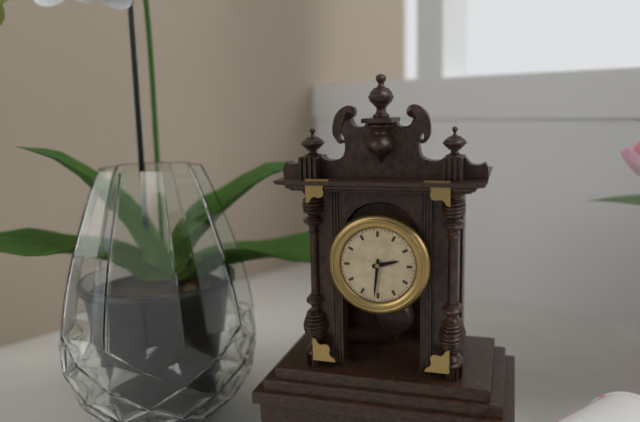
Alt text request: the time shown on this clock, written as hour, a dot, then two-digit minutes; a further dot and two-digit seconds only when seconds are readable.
2.31
